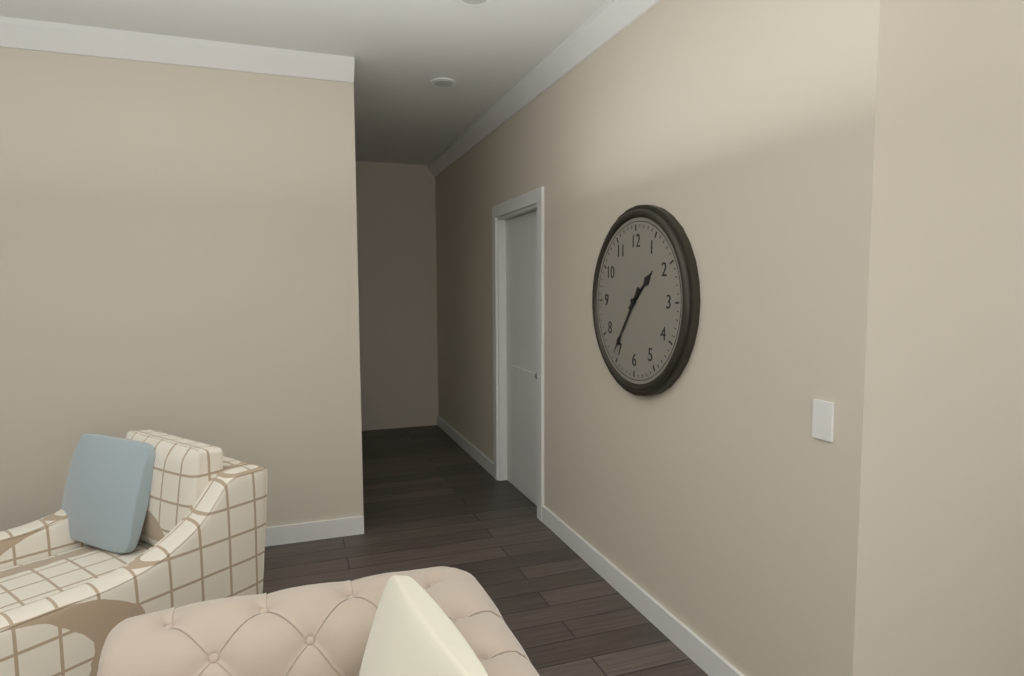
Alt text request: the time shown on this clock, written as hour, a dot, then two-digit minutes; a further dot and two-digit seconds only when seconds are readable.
1.36
